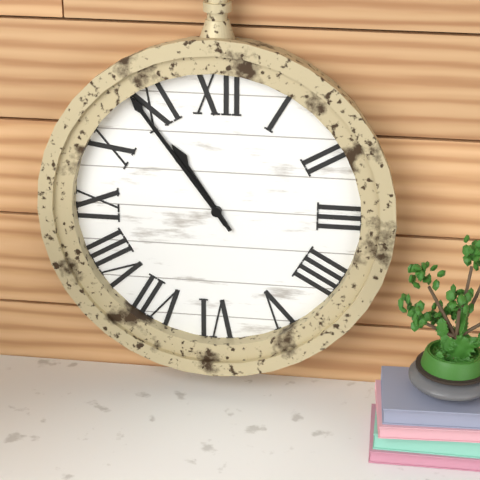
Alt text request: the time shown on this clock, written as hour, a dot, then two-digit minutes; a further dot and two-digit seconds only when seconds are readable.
10.54
